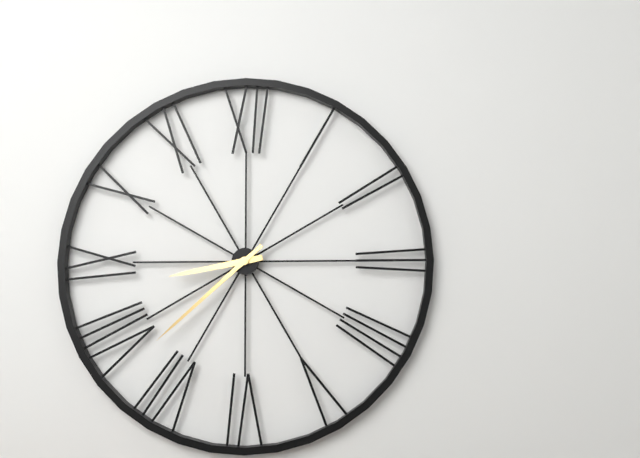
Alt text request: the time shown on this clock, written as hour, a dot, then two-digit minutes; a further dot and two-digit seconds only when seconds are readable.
8.38
